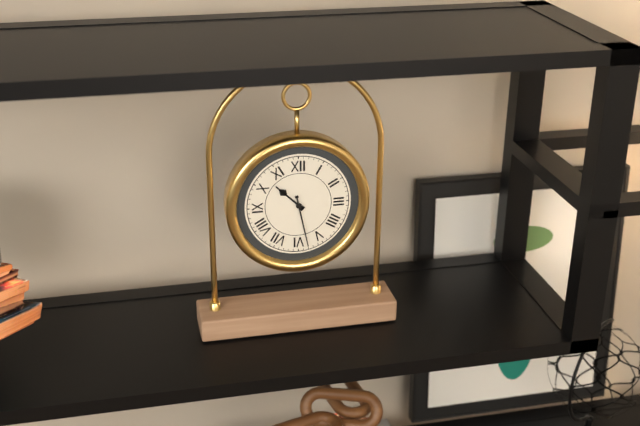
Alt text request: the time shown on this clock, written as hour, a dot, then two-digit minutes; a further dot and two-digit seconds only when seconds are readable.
10.28
